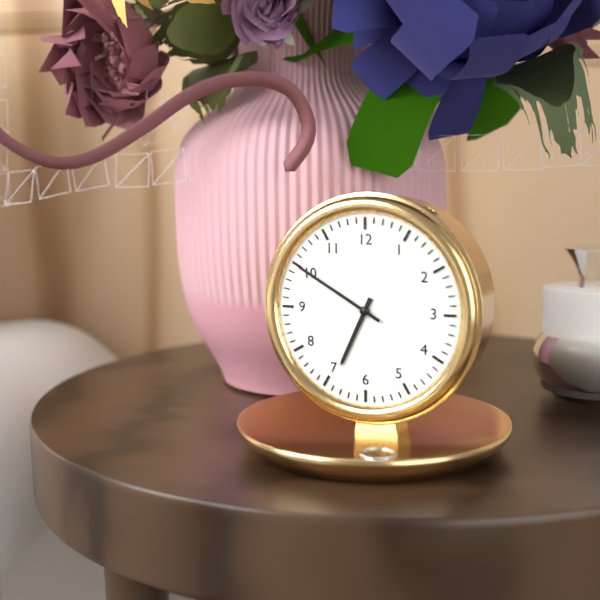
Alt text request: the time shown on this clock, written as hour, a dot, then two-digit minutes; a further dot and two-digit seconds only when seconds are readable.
6.50
